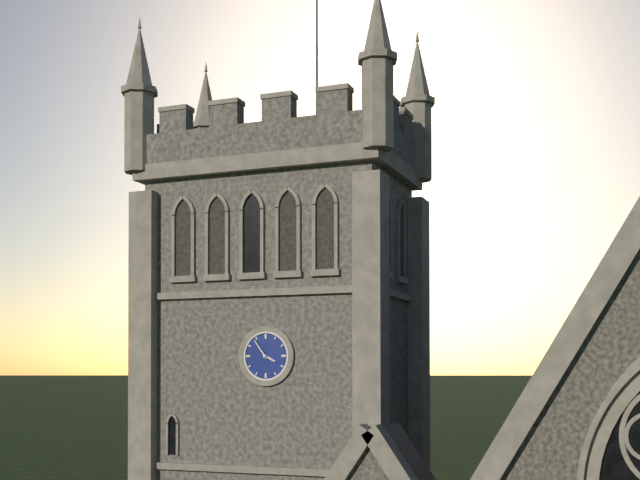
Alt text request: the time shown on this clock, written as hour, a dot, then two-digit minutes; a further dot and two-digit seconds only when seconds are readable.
3.54
